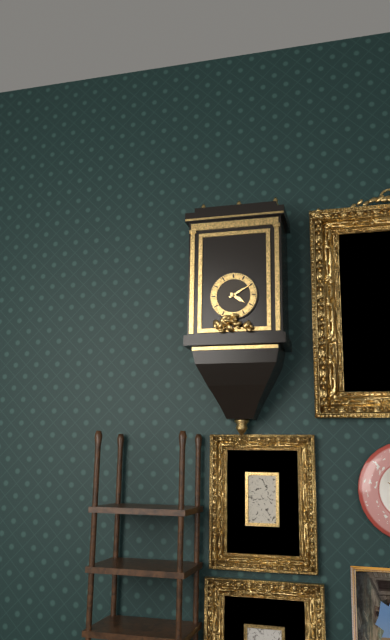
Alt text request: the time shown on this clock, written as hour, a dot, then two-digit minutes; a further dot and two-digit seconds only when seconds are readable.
4.10
